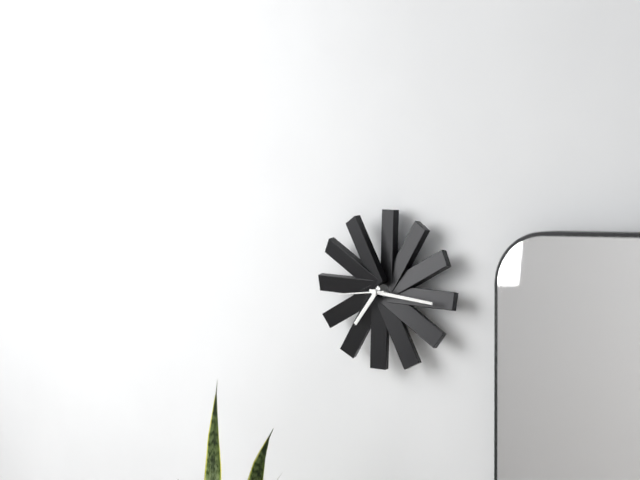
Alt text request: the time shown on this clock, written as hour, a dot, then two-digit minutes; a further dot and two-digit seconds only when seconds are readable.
7.16
